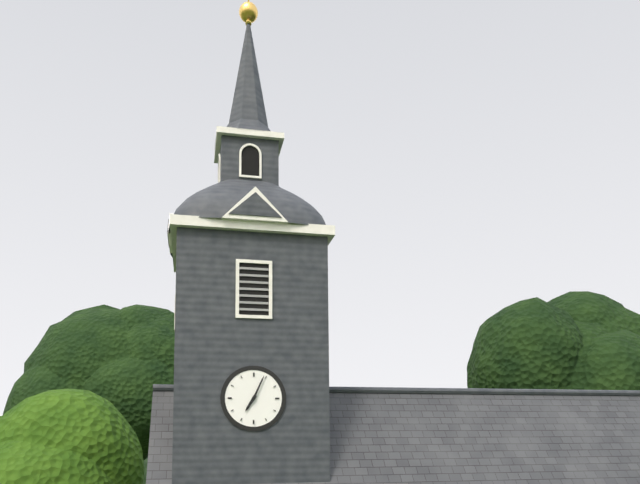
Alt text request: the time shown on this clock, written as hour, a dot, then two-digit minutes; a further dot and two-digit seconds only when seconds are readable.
7.04
